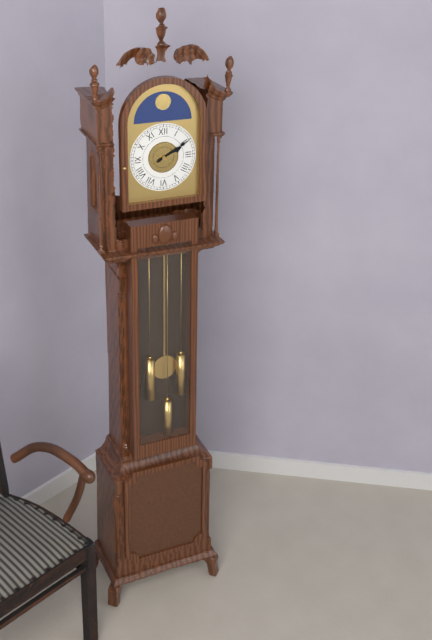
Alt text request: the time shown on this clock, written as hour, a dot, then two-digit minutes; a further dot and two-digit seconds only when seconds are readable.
2.10
